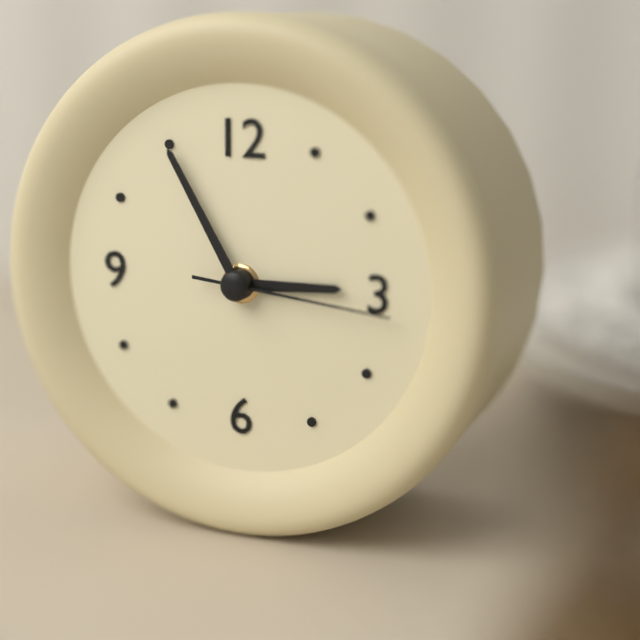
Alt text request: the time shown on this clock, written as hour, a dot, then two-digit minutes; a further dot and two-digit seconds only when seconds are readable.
2.55.16
